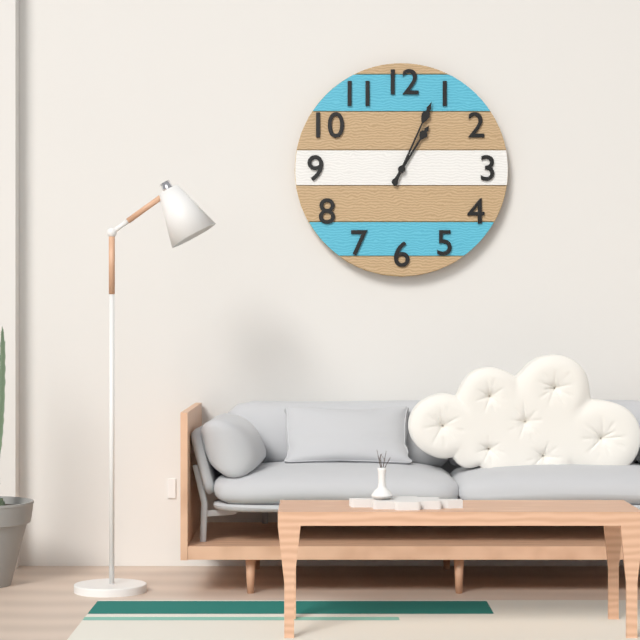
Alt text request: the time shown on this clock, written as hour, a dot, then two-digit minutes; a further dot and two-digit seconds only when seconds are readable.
1.04
